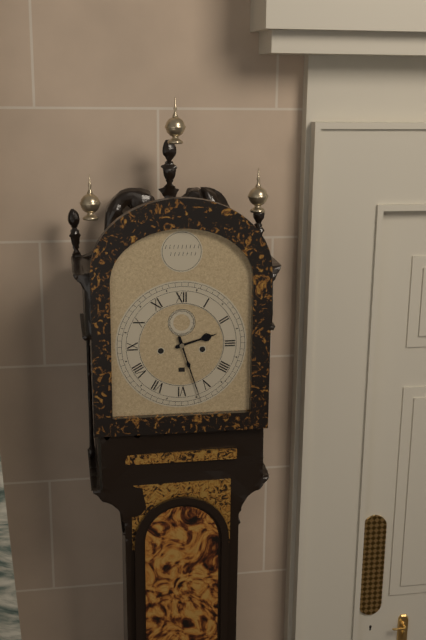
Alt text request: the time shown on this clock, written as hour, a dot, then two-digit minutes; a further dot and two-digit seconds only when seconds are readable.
2.27
